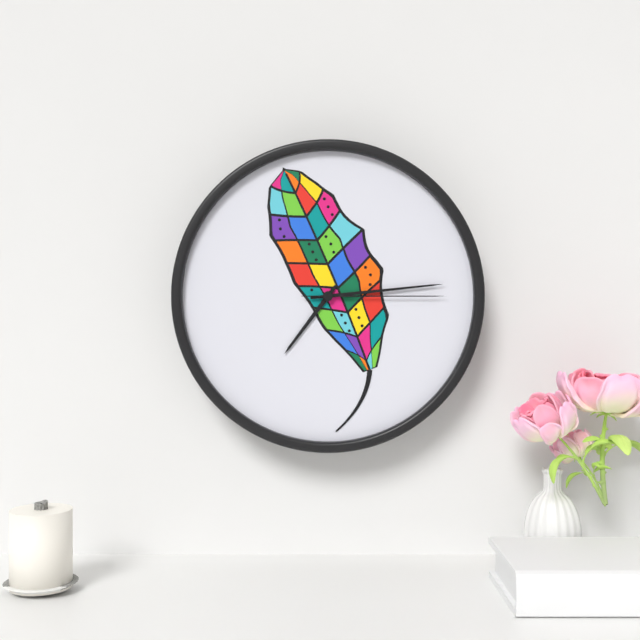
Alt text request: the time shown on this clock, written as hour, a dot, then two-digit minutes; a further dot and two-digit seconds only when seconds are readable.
7.14.15
